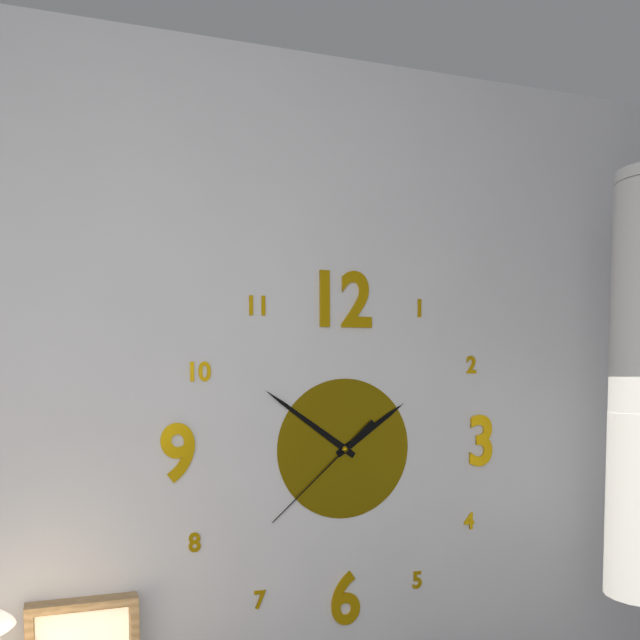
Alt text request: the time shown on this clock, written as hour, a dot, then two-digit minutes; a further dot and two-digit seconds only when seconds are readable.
1.51.38
